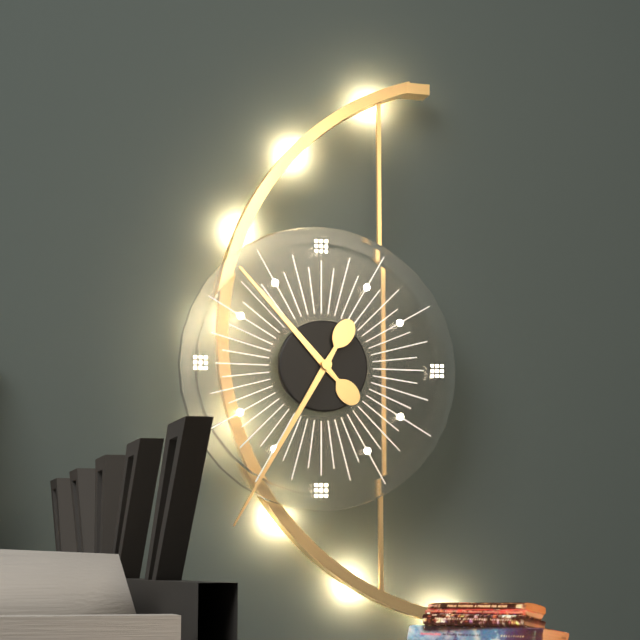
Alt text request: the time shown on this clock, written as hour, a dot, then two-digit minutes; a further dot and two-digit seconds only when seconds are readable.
10.35
